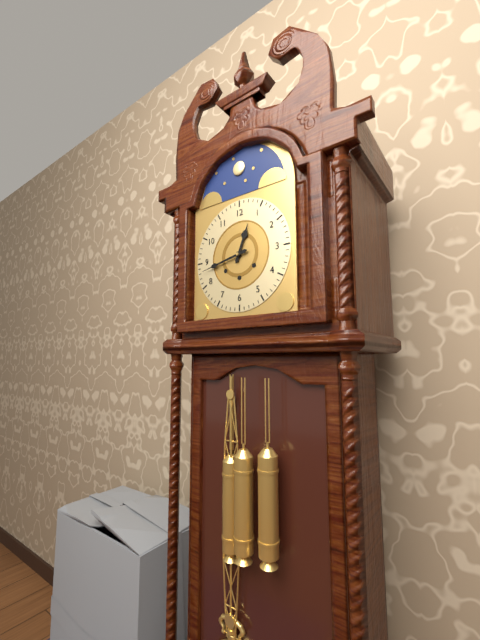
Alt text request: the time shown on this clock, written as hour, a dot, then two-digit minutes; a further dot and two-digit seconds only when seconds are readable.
12.43
